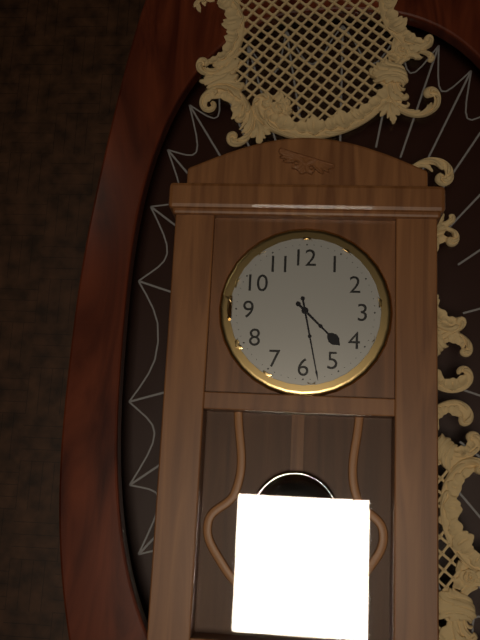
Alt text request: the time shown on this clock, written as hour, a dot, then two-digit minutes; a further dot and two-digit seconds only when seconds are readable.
4.28
